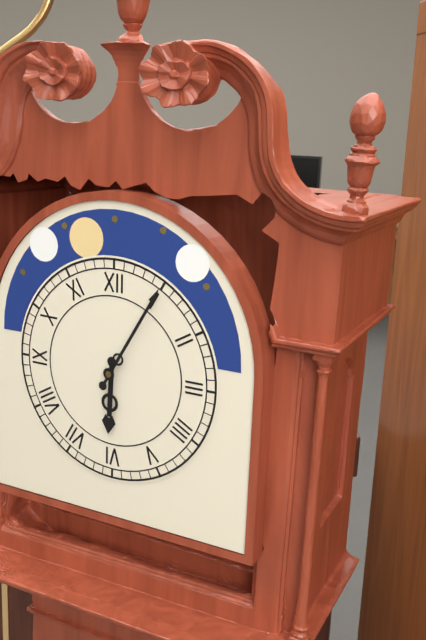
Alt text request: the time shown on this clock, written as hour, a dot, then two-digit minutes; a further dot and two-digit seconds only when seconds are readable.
6.05
